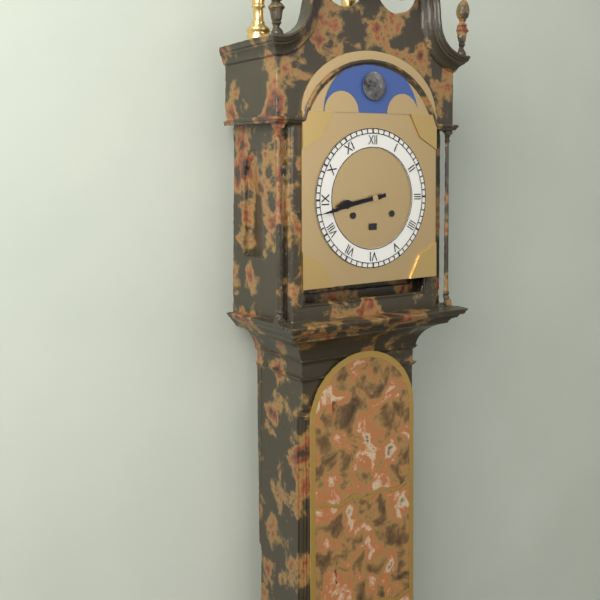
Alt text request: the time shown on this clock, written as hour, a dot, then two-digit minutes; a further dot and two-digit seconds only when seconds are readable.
8.43
